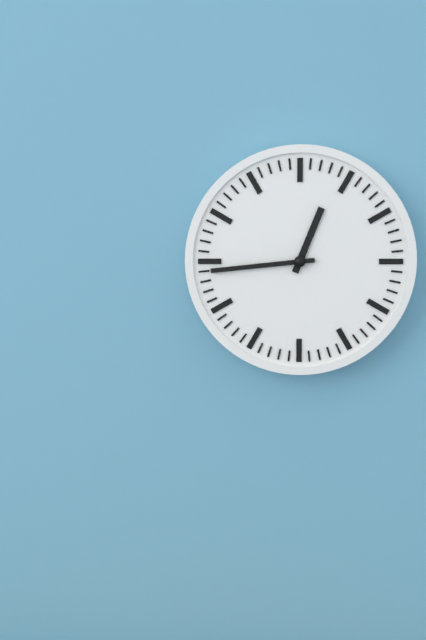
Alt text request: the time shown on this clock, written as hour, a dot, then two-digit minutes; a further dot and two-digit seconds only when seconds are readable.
12.44
